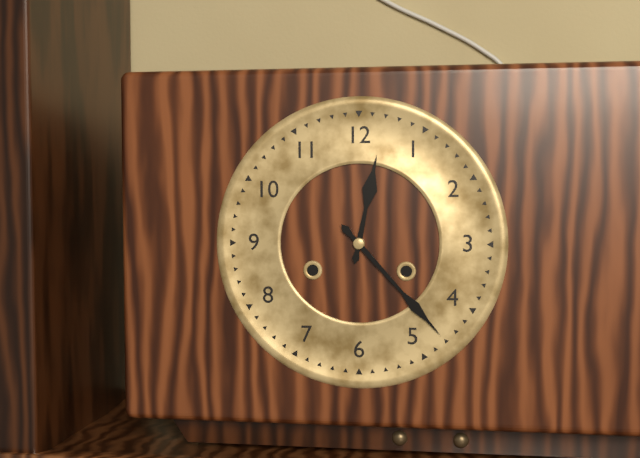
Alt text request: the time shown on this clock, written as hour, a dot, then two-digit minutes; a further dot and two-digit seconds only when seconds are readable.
12.23
